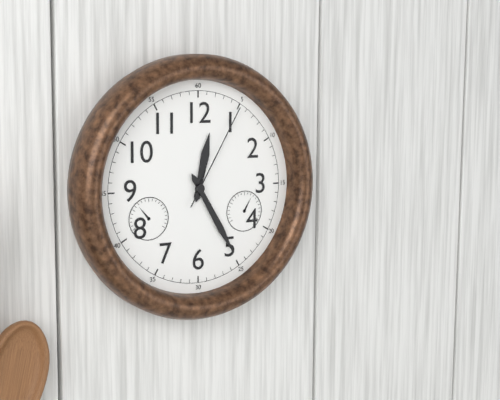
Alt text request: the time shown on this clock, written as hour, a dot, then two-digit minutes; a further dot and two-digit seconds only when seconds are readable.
12.25.05
